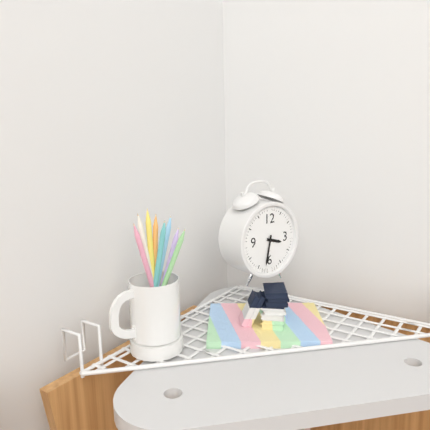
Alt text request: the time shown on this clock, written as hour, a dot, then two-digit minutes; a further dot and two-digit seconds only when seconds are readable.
3.32
